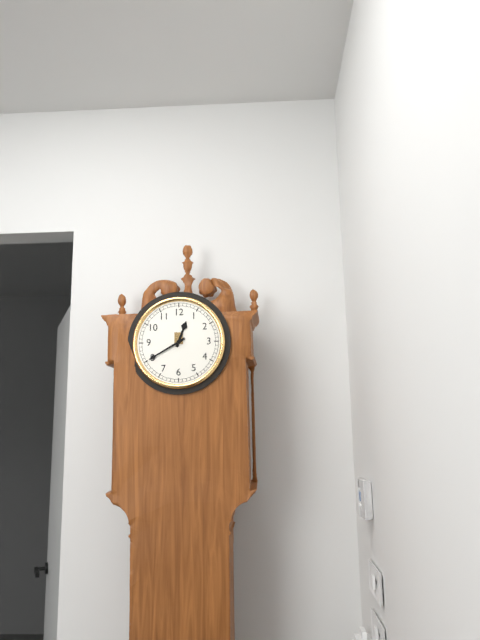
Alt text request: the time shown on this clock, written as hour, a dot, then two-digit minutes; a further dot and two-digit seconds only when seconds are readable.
12.40
